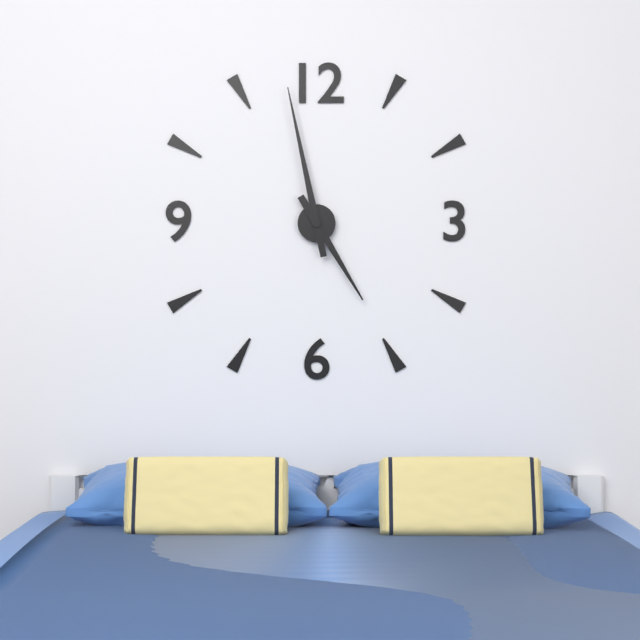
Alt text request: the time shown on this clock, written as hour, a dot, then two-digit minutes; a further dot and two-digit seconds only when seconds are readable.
4.58
